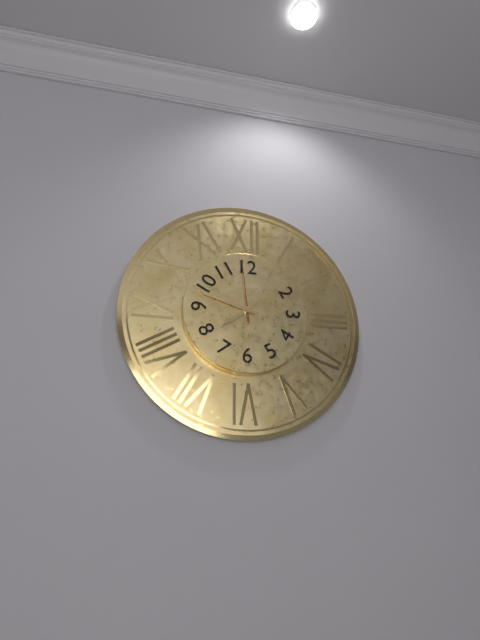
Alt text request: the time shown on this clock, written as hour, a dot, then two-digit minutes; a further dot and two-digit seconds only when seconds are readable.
7.48.59
